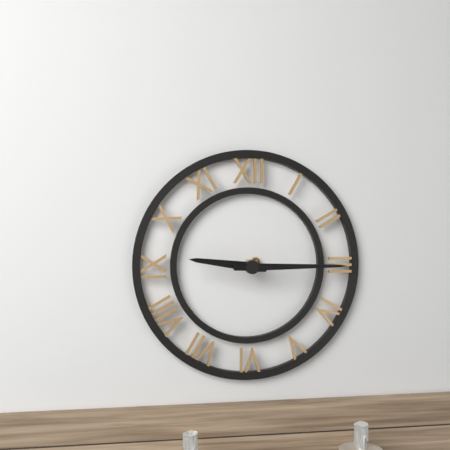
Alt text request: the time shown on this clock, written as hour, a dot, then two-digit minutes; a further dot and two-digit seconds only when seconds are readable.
9.15
